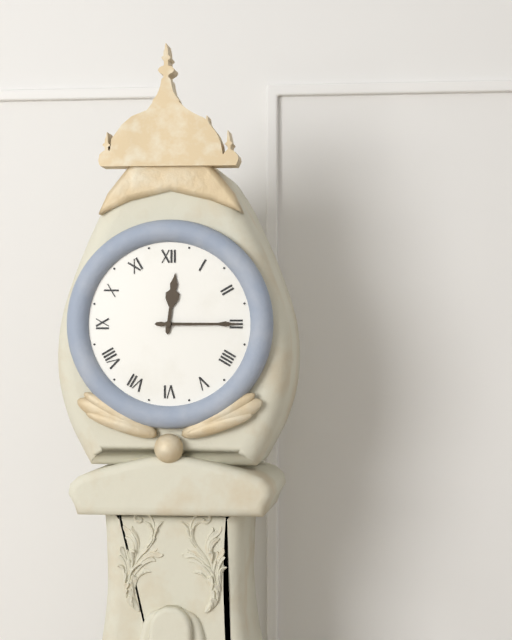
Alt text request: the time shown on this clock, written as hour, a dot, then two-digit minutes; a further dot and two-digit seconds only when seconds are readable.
12.15
